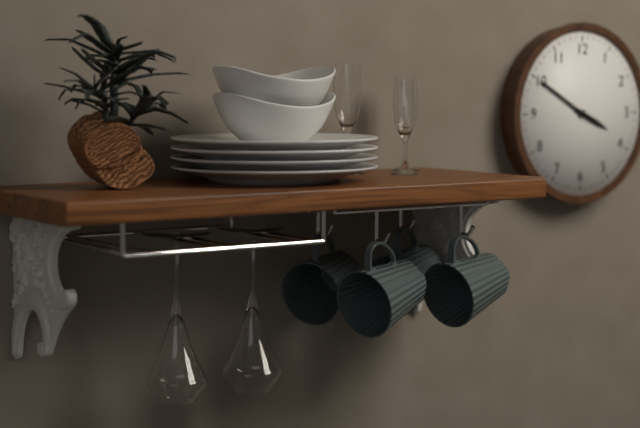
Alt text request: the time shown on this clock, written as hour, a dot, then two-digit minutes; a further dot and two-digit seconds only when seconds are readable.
3.50
